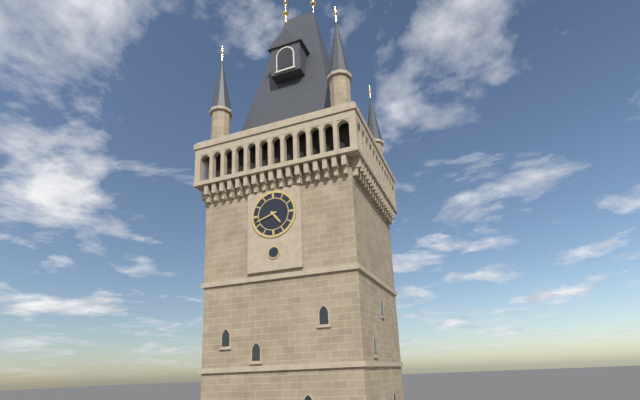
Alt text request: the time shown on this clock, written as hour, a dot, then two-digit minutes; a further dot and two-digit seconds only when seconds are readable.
4.42
